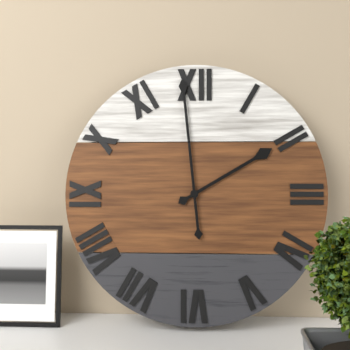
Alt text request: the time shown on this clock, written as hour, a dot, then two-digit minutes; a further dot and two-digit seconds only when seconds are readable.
1.59
